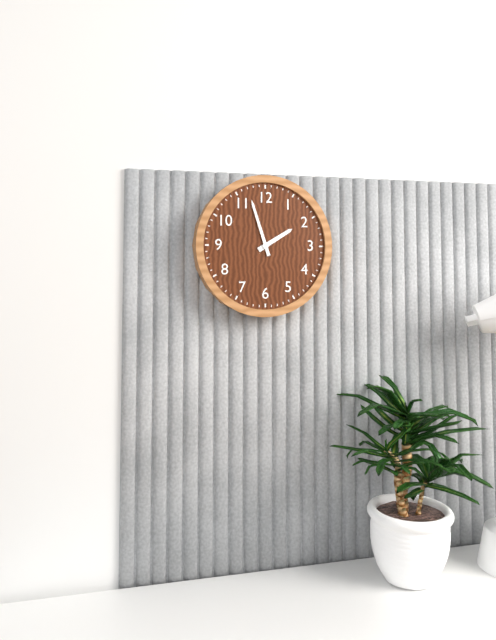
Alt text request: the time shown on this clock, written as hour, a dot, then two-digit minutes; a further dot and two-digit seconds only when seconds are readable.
1.57
